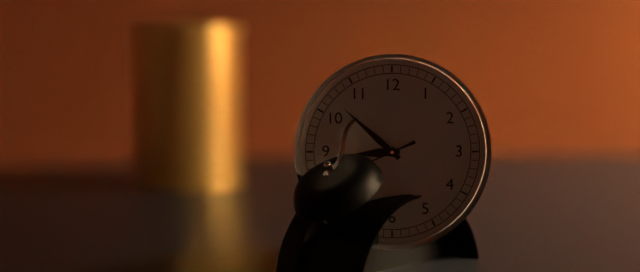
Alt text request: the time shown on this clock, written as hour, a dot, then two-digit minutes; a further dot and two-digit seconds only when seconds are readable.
8.52
